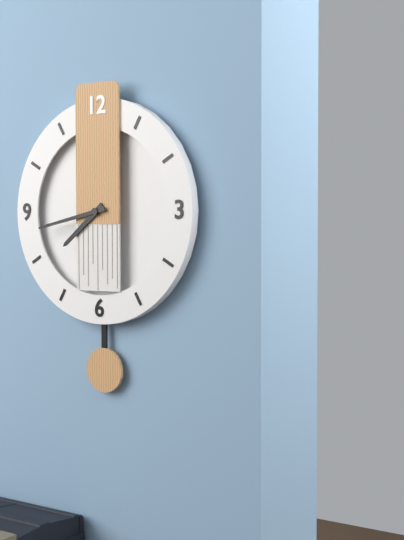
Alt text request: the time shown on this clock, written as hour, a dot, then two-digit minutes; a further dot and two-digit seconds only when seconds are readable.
7.43
